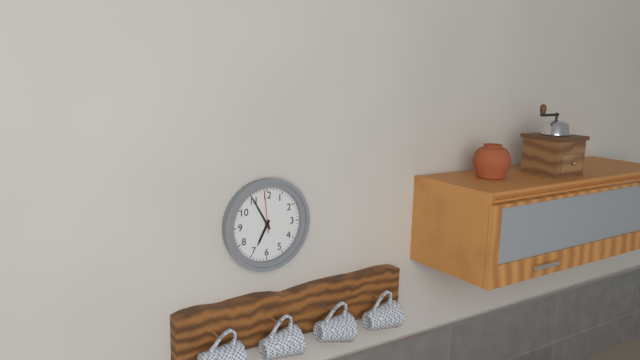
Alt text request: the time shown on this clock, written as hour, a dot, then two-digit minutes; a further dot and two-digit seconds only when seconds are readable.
6.55
